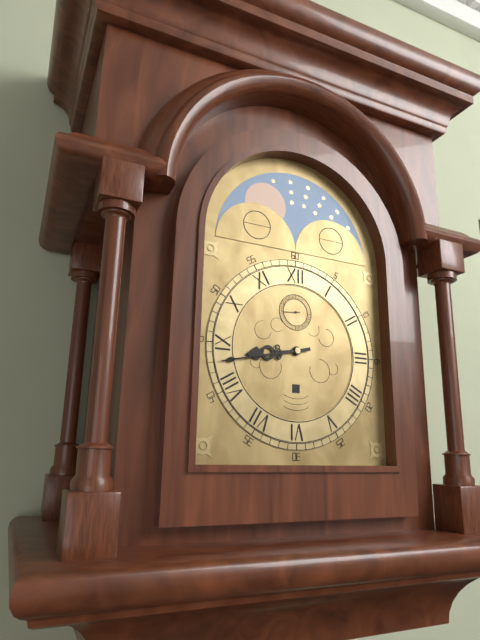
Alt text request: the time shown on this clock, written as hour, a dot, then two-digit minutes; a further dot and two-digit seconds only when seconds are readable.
8.43
